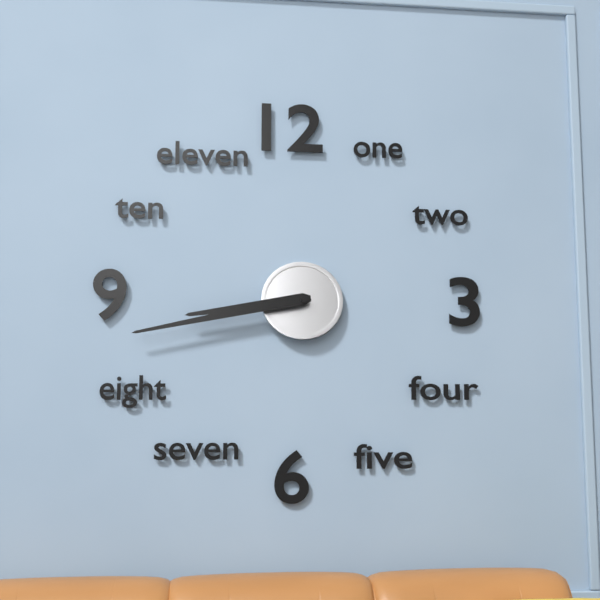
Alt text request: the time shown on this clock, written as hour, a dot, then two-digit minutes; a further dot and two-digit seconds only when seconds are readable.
8.43
